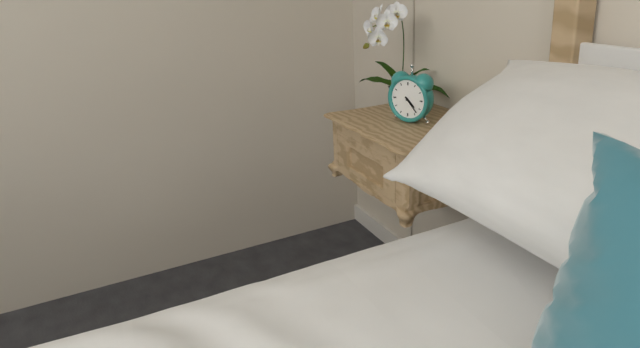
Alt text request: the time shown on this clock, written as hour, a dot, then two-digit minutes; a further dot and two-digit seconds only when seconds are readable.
4.23
